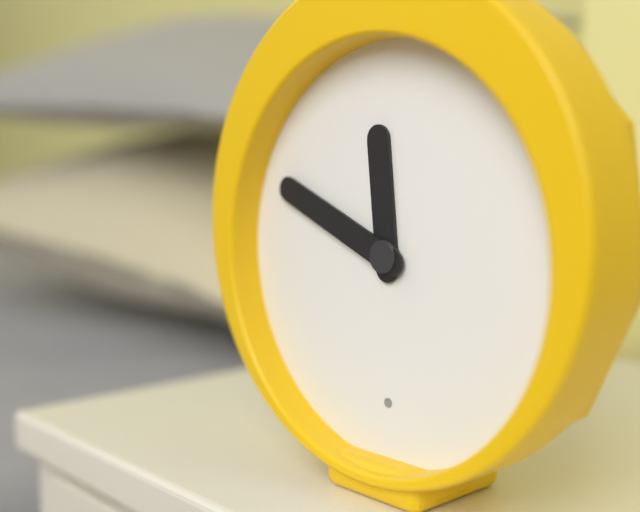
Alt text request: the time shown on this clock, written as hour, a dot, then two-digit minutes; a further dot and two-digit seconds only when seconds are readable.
11.49
